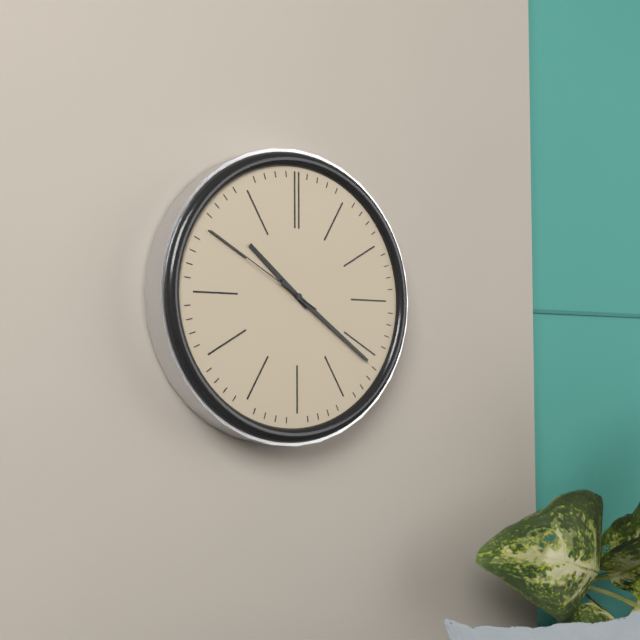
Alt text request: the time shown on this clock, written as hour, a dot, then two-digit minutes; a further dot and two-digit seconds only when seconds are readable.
10.21.50
